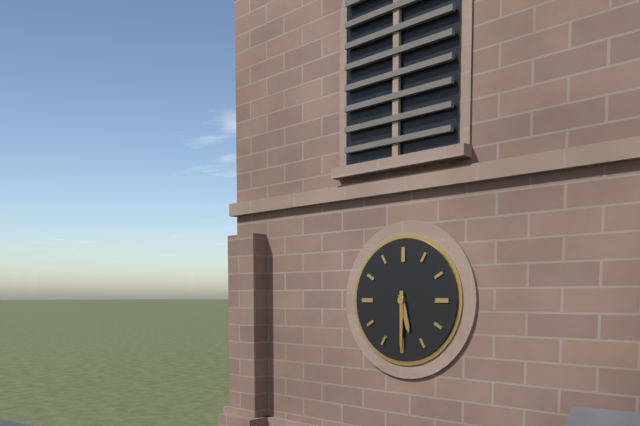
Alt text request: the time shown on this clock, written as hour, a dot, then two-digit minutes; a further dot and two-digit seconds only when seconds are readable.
5.30
